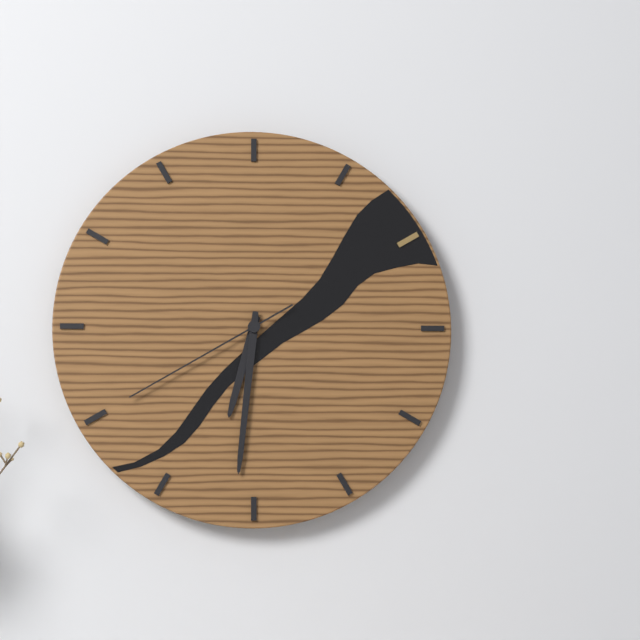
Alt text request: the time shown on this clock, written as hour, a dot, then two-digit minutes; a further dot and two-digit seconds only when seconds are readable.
6.31.40
